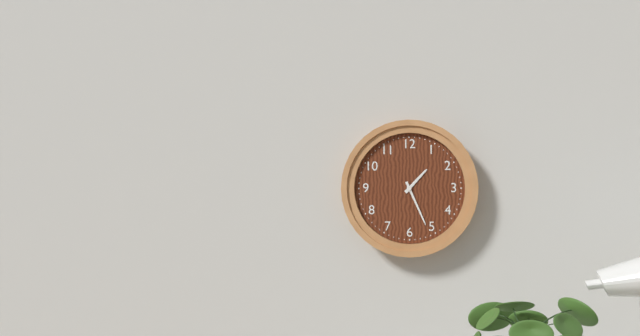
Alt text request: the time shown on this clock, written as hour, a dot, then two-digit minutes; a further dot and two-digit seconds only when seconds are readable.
1.26
